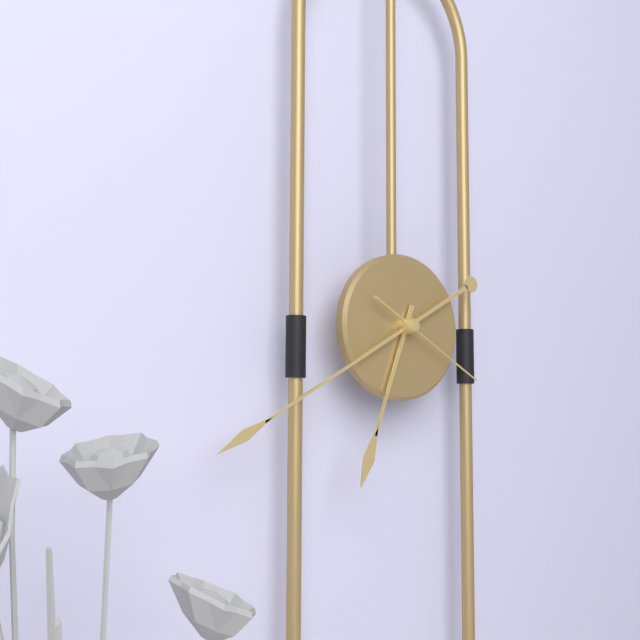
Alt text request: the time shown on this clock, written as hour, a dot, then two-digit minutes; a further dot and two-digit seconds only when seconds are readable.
6.40.20
